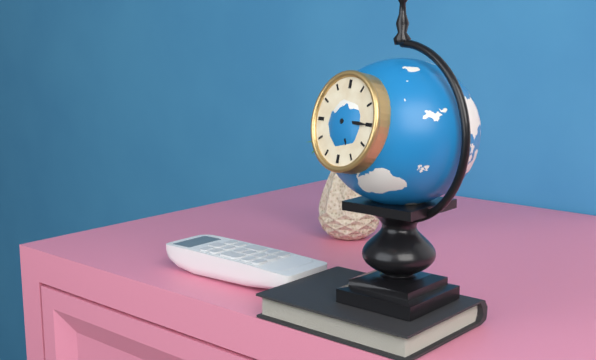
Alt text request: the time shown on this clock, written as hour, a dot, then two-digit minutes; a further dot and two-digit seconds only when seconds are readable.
5.15
